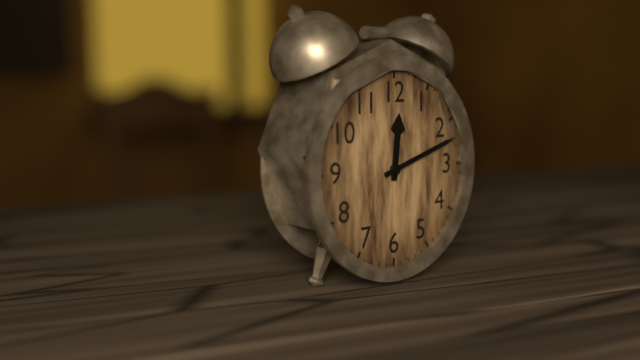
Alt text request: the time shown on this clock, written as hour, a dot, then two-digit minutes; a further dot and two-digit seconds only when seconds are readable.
12.12
